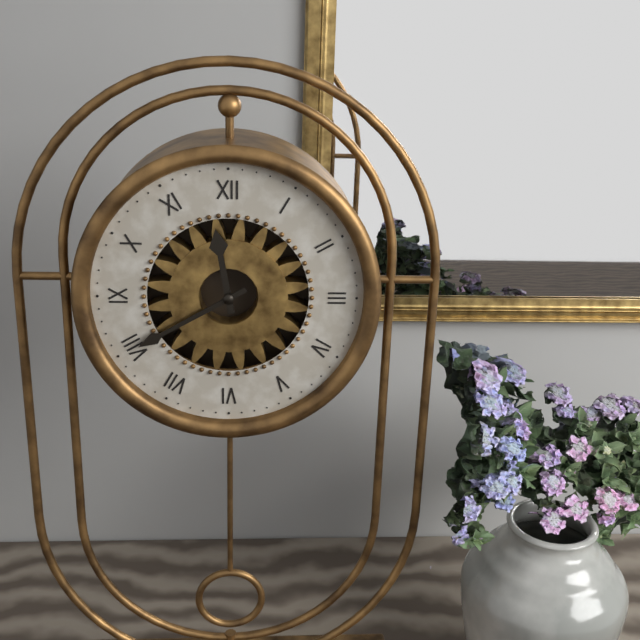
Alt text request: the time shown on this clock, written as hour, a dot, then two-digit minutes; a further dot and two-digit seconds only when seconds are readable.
11.40
